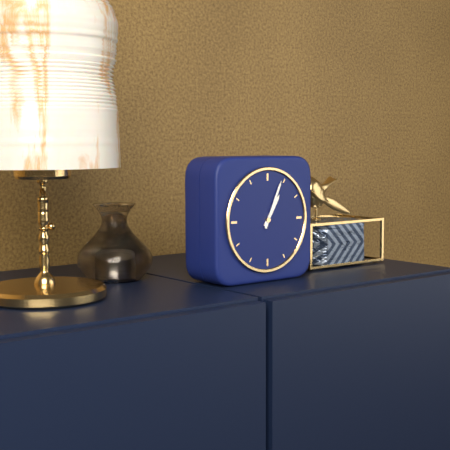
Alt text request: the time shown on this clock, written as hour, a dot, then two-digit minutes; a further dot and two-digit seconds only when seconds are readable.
1.04
